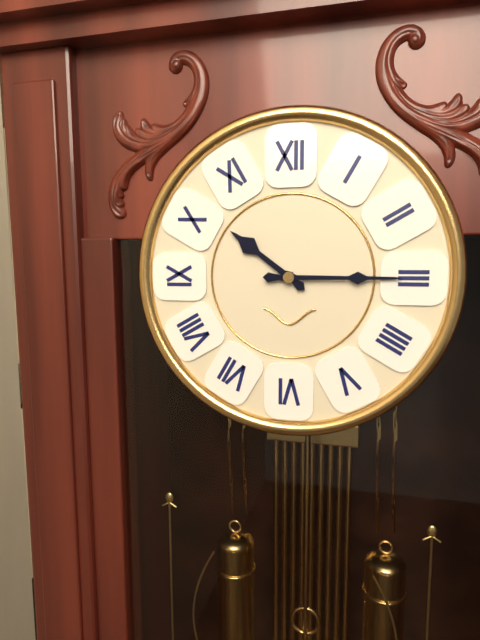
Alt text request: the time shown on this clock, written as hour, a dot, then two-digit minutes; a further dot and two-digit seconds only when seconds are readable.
10.15
